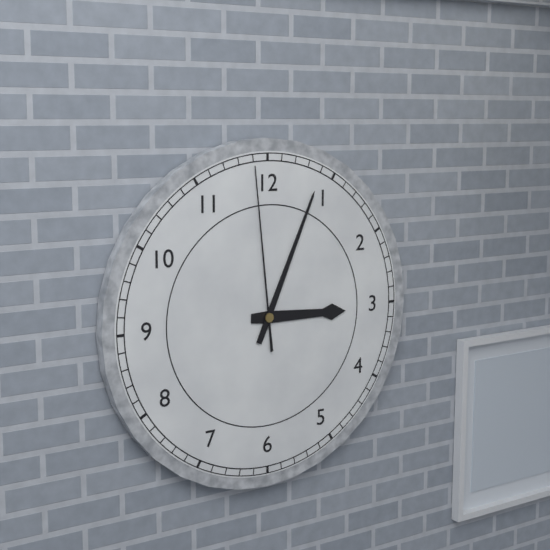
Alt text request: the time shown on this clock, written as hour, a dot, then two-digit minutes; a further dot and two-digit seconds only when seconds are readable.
3.04.59
